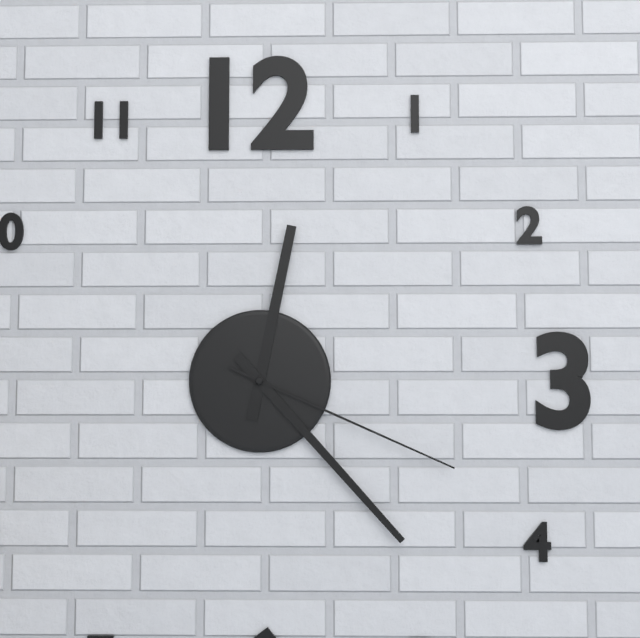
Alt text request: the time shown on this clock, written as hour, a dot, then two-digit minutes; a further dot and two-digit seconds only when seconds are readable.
12.23.19
